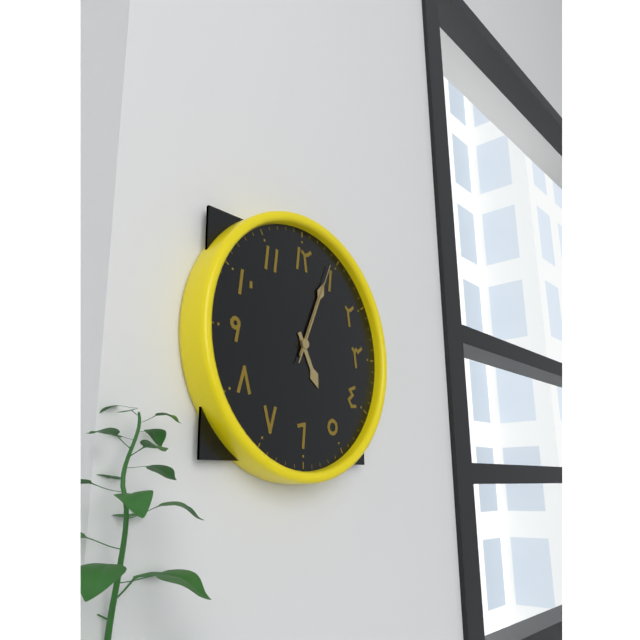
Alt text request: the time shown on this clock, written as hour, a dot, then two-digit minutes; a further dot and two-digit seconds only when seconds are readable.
5.04.04
